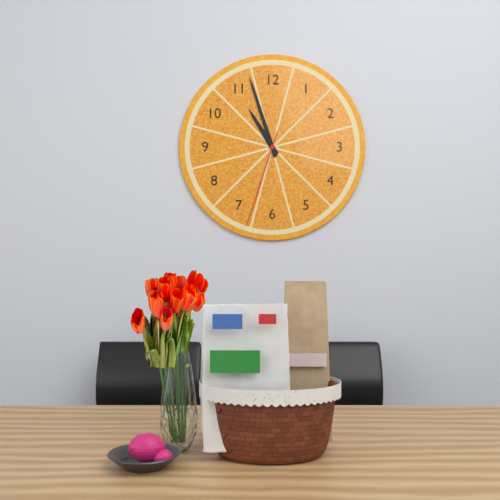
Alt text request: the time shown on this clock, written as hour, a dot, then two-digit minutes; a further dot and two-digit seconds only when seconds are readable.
10.57.33
